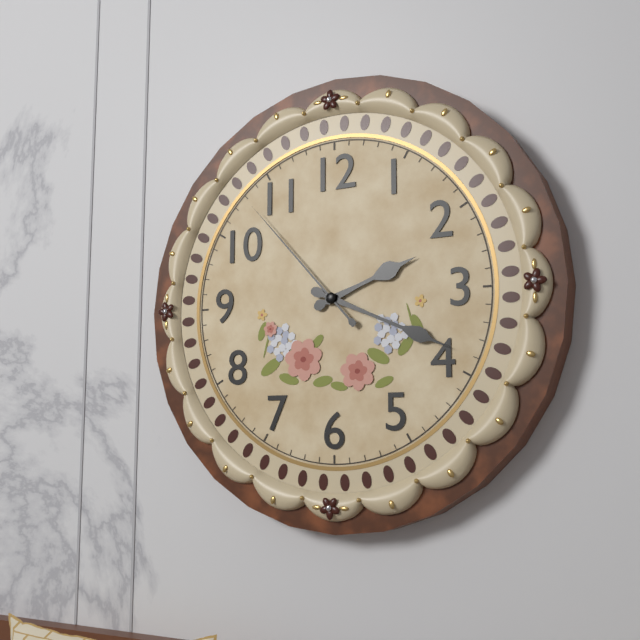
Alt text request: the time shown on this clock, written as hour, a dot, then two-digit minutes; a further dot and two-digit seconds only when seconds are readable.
2.19.53
